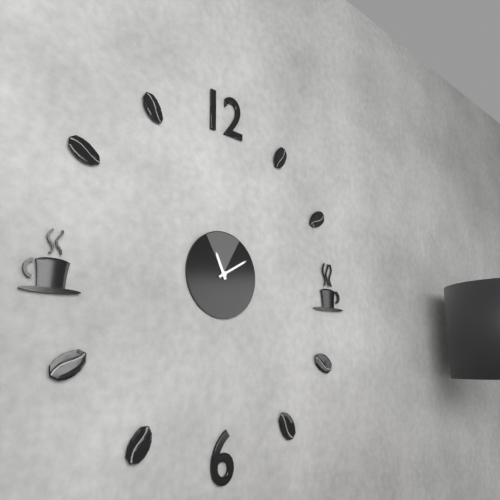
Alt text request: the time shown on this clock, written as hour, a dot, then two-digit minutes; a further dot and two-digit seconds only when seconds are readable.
11.10
